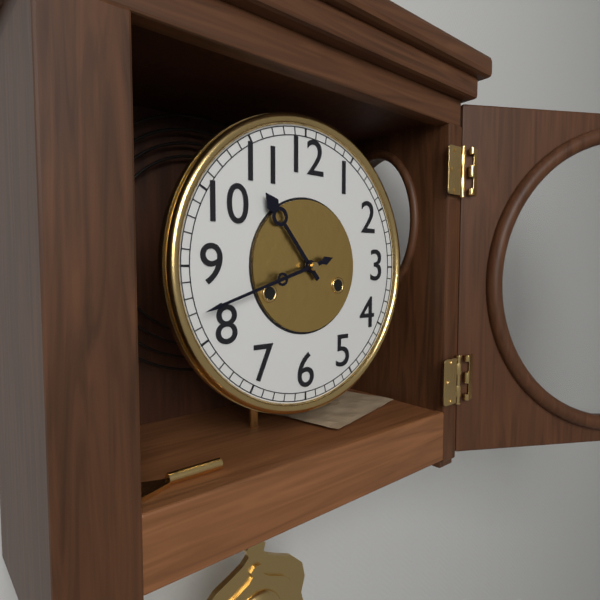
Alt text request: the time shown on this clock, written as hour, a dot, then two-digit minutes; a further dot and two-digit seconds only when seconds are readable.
10.42
